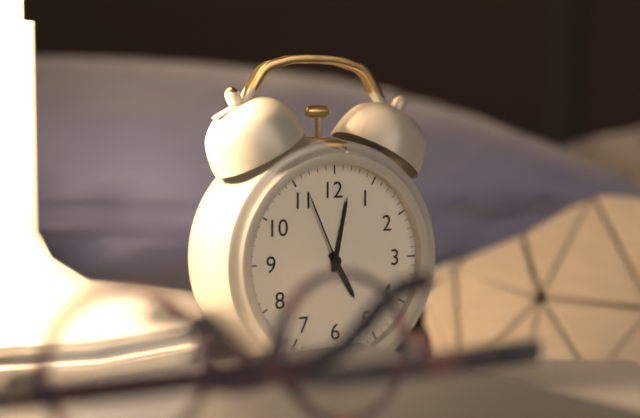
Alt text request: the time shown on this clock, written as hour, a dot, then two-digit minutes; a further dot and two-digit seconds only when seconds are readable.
5.02.56
